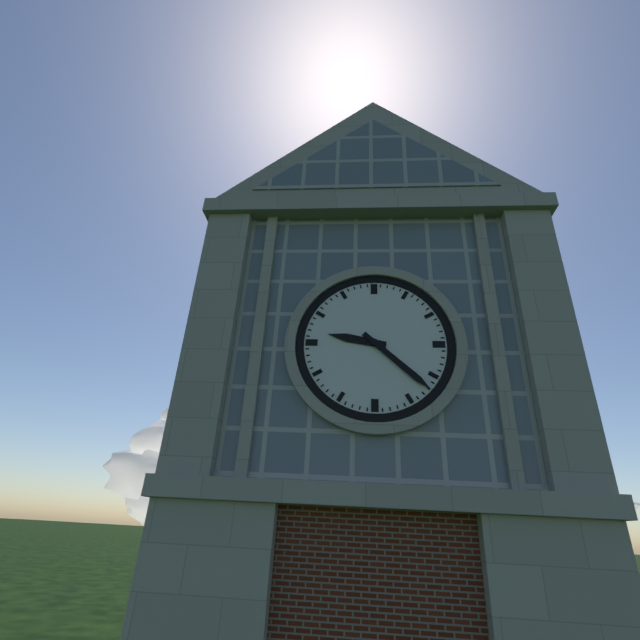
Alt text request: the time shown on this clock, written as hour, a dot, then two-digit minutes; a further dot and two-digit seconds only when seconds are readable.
9.22
